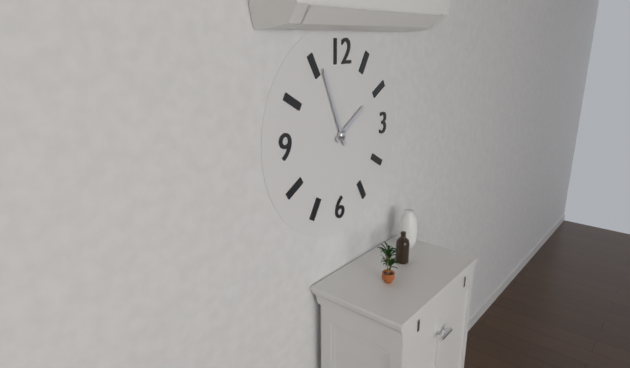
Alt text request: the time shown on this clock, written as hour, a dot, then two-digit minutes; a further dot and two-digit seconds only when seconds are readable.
1.56
